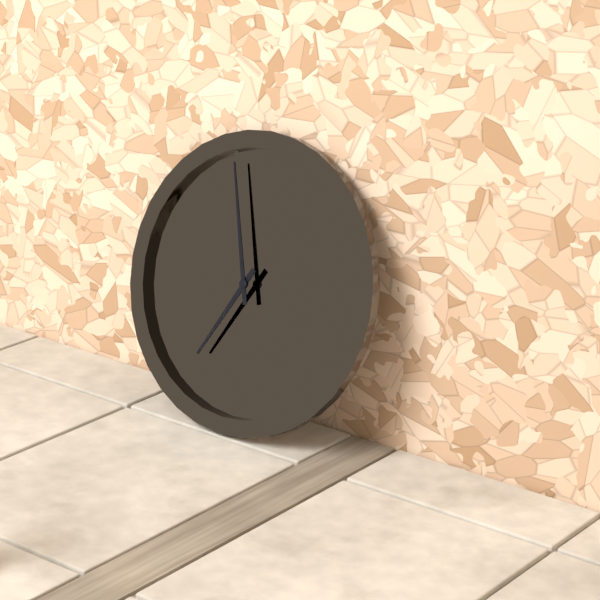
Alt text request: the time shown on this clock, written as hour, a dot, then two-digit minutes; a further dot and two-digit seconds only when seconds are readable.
6.57
